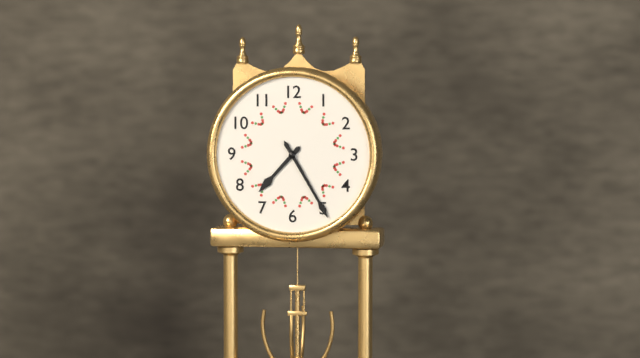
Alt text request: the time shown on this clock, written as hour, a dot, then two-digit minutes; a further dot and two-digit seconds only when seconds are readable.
7.25
